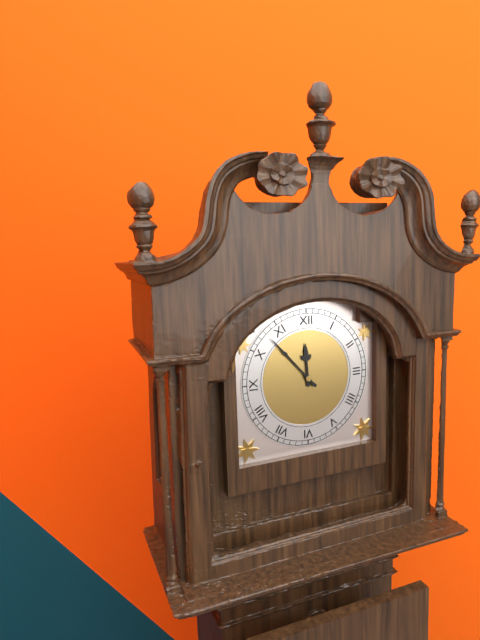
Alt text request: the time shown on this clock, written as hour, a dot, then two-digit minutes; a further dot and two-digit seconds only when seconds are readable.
11.53
